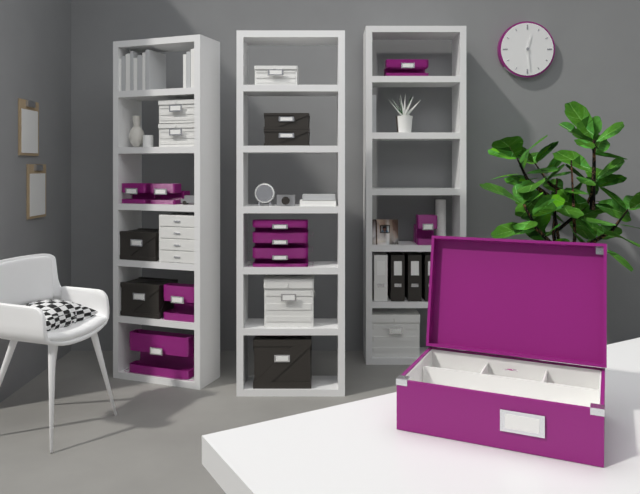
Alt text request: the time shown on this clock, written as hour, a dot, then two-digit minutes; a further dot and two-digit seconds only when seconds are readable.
12.29
